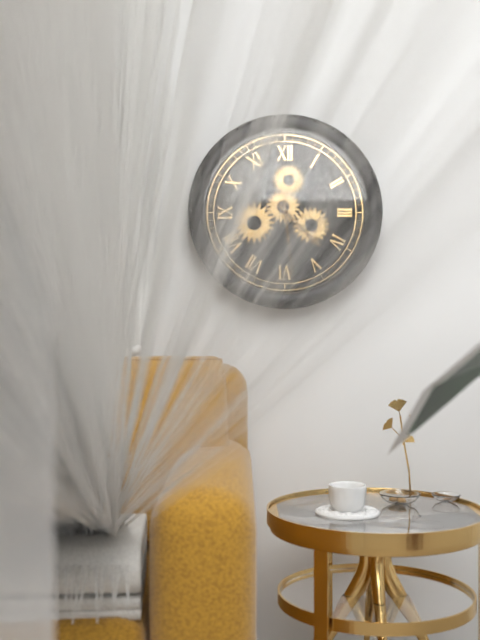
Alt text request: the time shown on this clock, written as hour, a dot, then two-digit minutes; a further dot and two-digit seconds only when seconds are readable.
4.29
